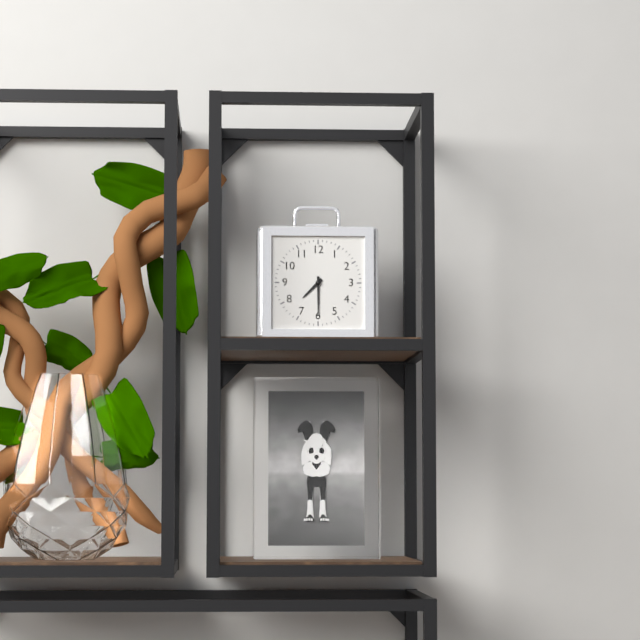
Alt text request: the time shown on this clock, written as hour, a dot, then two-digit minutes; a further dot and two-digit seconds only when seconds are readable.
7.30
